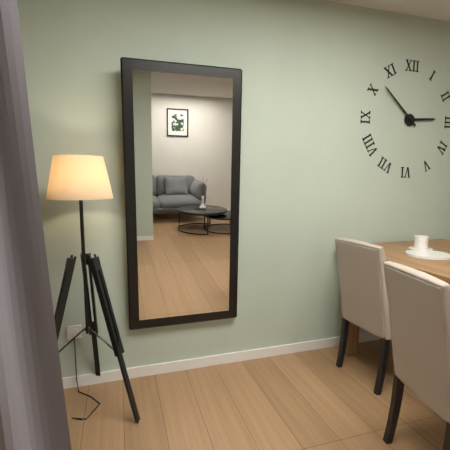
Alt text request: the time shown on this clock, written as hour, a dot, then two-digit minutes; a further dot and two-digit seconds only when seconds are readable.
2.52
